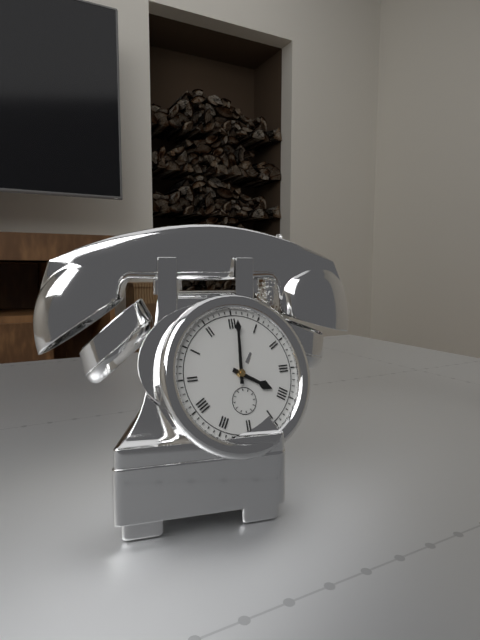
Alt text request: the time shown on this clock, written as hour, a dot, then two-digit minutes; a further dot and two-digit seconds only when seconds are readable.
4.01
